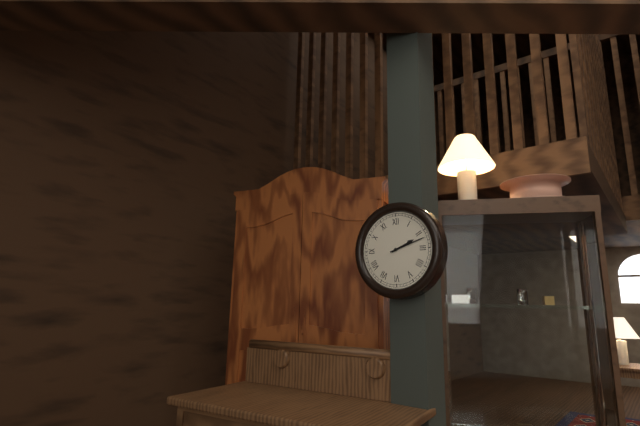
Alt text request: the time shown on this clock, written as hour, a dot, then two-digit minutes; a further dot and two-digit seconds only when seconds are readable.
2.12
